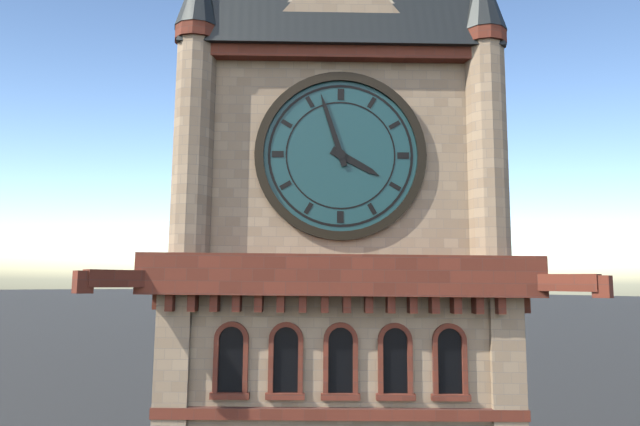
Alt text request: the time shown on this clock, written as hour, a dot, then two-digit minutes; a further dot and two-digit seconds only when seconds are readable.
3.57
